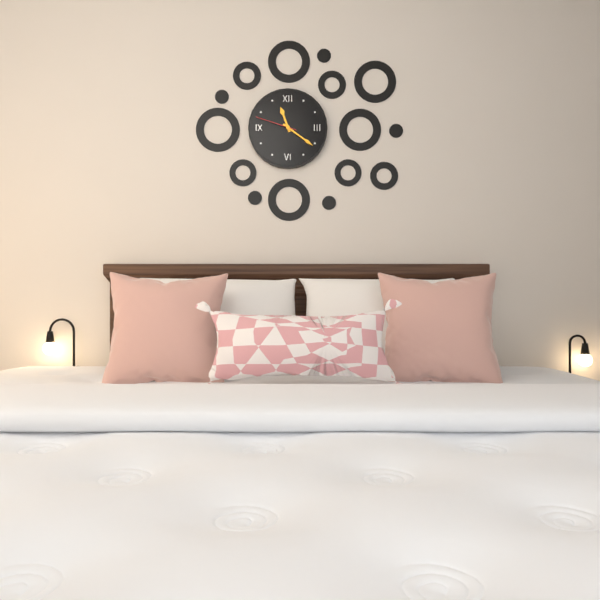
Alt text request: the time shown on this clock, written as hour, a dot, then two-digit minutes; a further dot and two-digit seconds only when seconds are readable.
11.21
